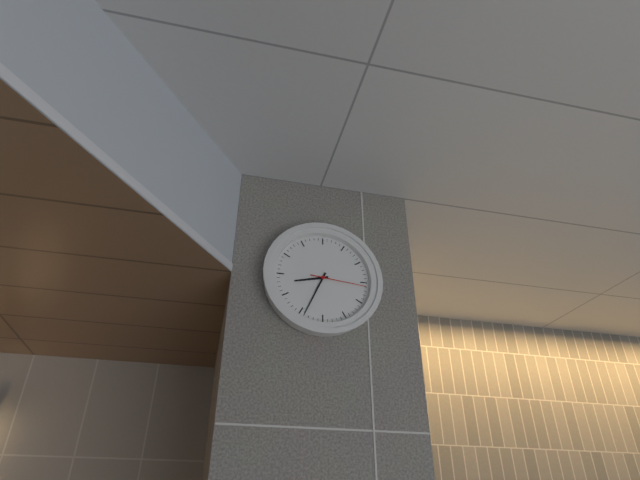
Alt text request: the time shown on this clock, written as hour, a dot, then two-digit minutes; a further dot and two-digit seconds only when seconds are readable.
8.34.16
